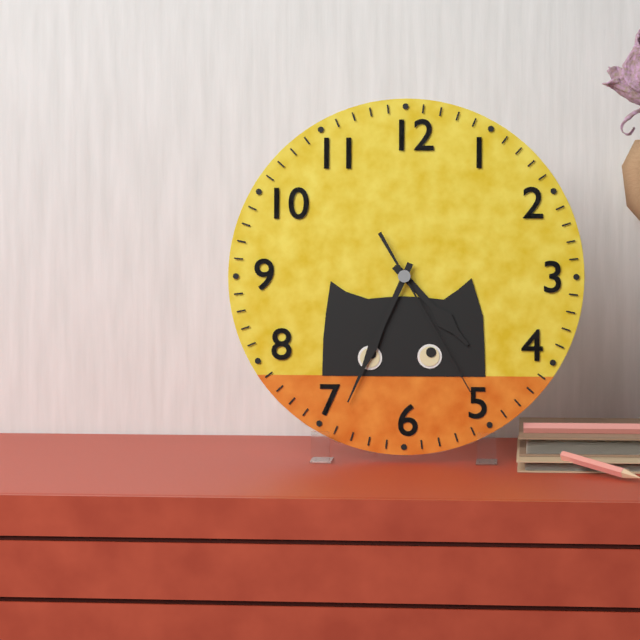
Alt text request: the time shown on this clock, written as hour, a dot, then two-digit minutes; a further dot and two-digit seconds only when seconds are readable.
4.34.25
